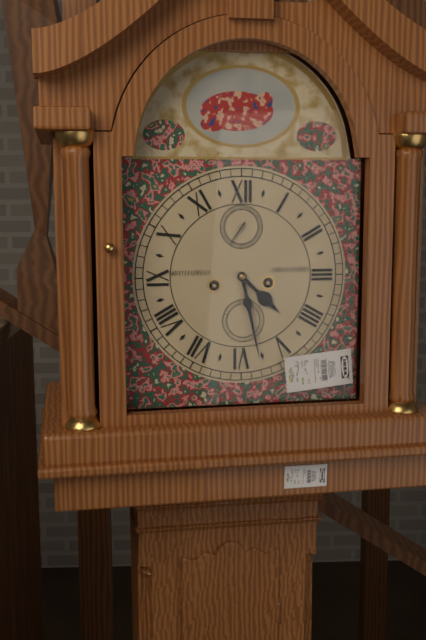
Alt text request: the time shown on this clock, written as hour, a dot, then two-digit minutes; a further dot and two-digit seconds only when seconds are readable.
4.28
